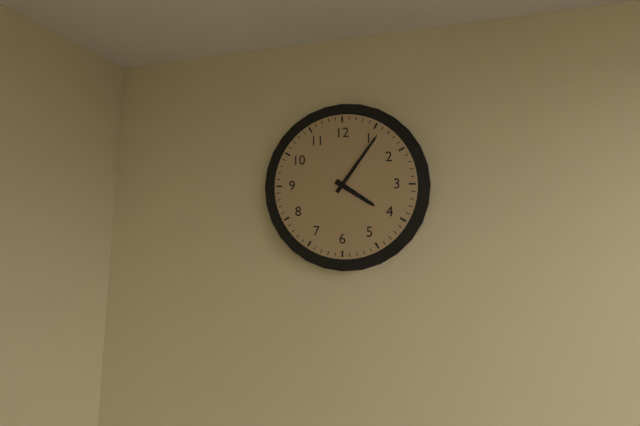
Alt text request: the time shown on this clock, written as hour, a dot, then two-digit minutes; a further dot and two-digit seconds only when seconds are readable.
4.06
